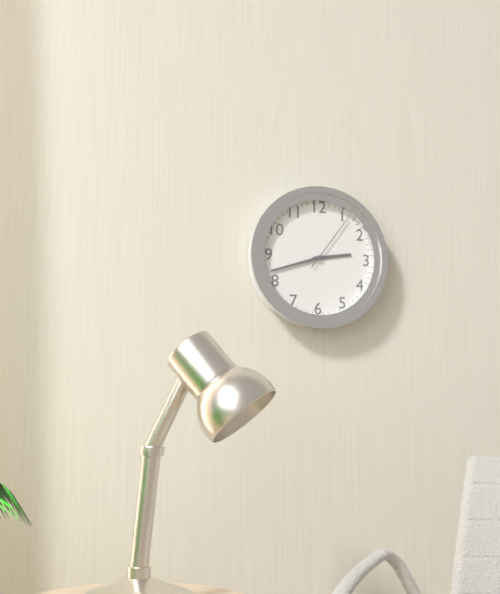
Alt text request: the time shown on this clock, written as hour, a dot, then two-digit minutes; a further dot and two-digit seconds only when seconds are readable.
2.42.06
